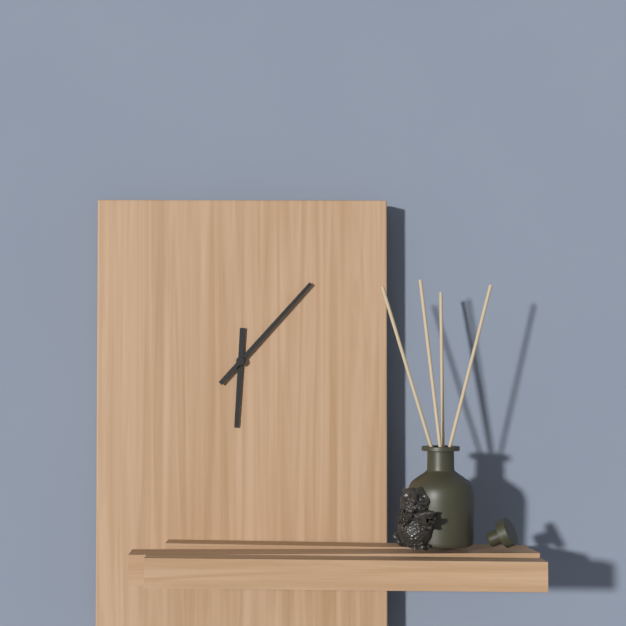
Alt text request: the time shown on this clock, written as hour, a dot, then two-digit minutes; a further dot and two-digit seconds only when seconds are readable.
6.07
